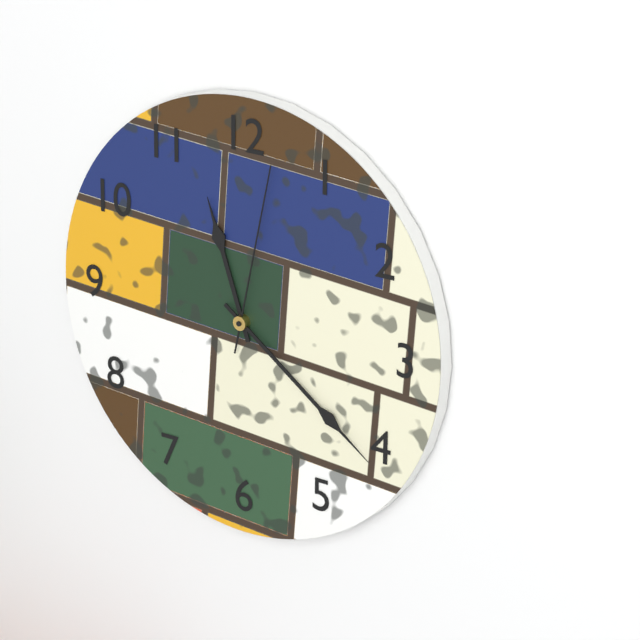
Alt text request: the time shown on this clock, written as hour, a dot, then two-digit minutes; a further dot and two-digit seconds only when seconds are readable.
11.21.02
